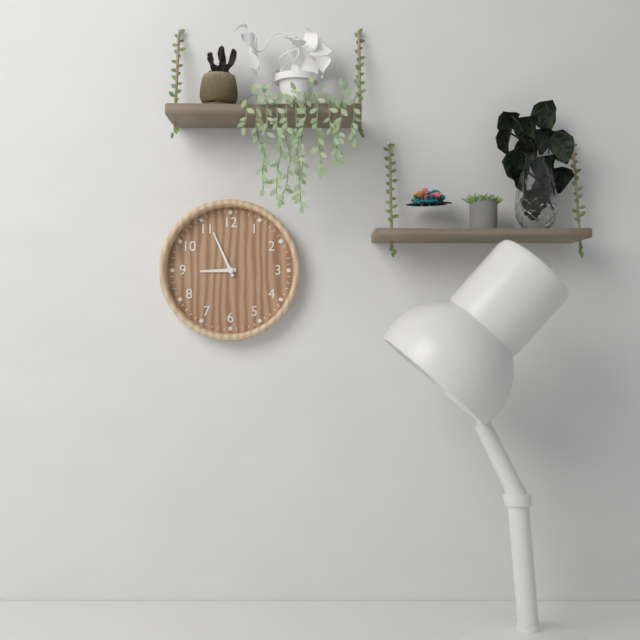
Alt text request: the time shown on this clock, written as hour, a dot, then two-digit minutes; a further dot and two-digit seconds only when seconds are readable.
8.56
